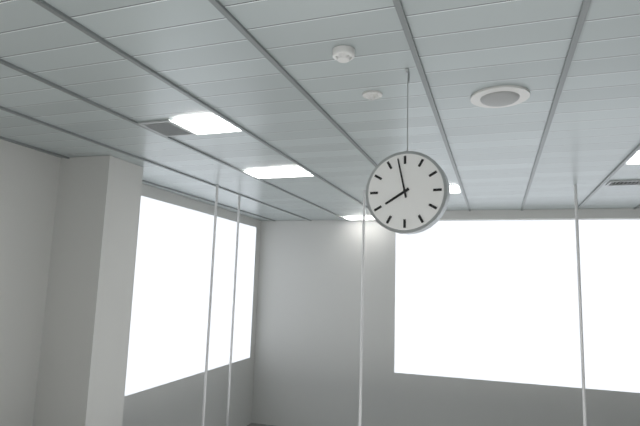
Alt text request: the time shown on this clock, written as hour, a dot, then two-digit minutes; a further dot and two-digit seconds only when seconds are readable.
7.58
